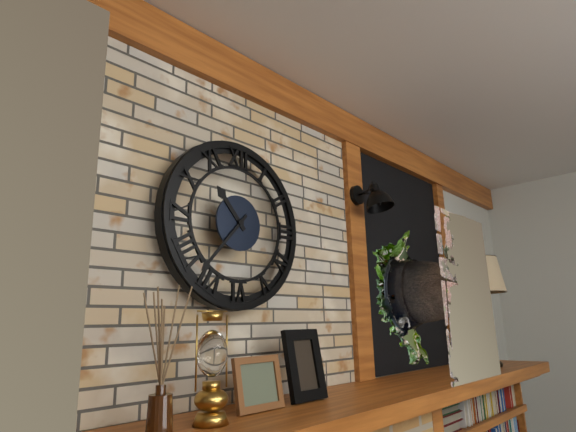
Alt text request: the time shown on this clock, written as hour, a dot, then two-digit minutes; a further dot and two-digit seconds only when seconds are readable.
10.37
